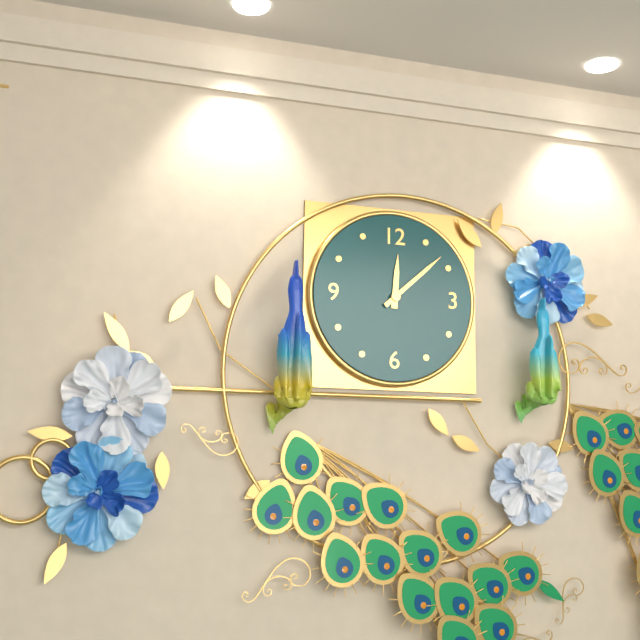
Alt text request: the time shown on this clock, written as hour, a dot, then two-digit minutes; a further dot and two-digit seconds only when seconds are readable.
12.08
